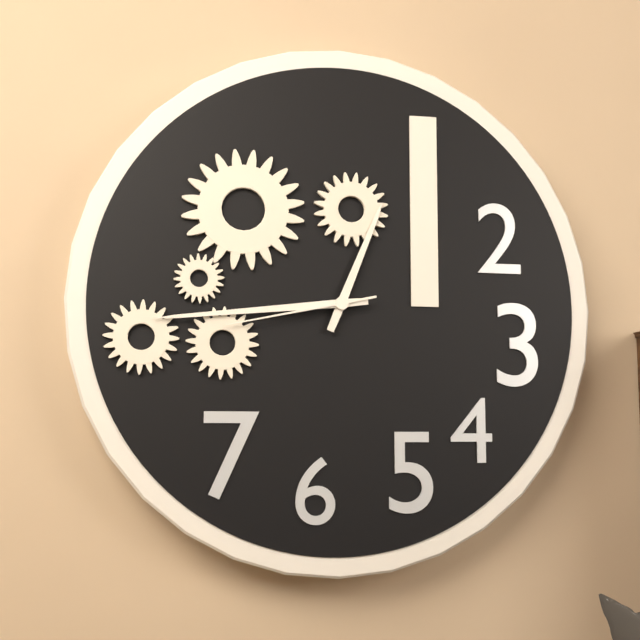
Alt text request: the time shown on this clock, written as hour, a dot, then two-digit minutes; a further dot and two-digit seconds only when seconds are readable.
12.44.43
